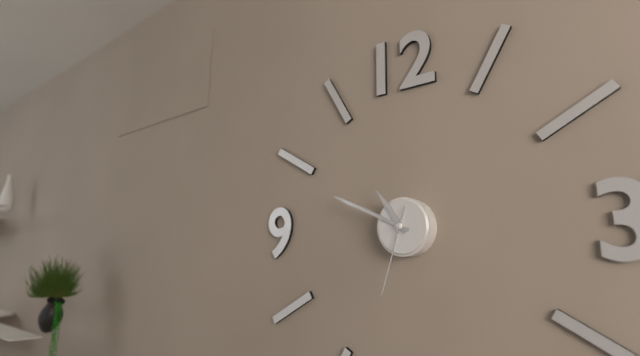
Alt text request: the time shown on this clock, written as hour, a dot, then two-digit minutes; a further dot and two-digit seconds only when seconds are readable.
10.49.33
